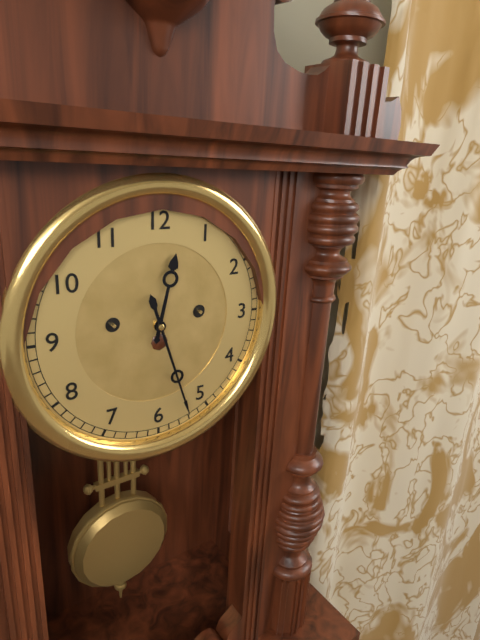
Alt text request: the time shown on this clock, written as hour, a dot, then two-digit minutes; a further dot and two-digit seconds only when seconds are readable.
12.27
